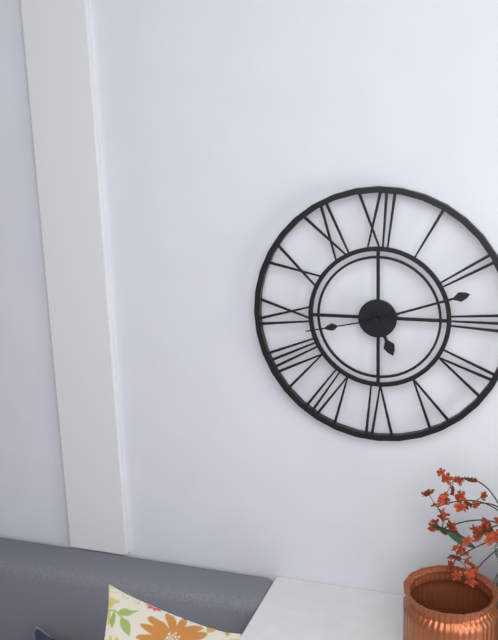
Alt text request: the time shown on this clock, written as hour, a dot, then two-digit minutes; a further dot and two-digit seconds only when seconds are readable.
5.12.43
